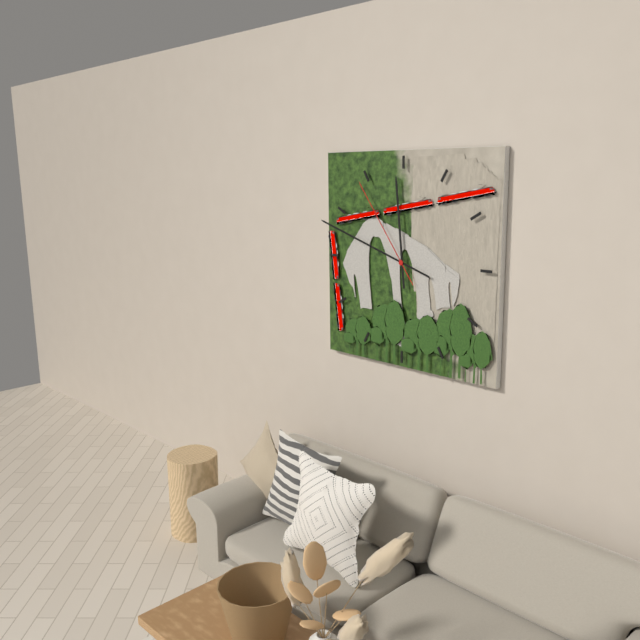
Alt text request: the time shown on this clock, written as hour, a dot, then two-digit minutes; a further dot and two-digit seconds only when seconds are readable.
11.48.54
